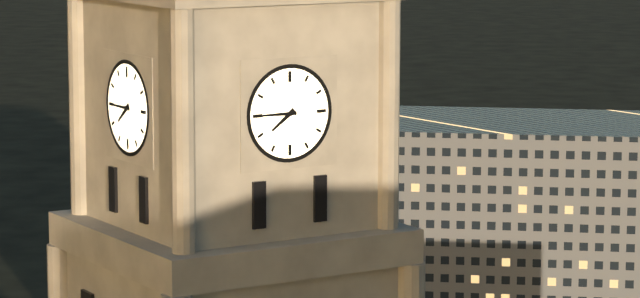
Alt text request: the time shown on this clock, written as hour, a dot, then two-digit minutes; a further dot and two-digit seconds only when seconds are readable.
7.45
